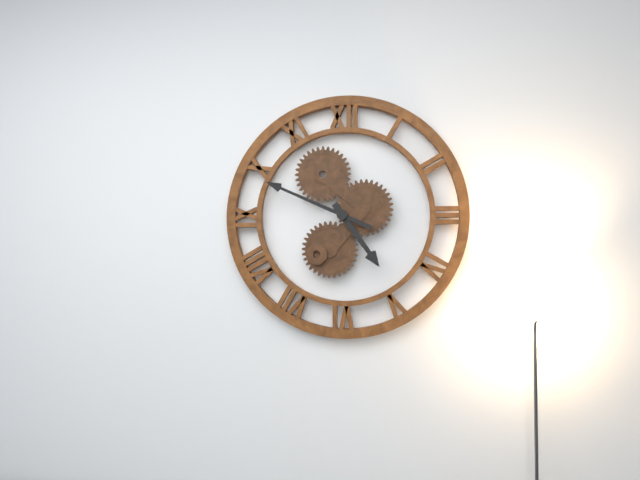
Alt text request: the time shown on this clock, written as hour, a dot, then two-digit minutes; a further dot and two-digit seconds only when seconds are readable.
4.49
